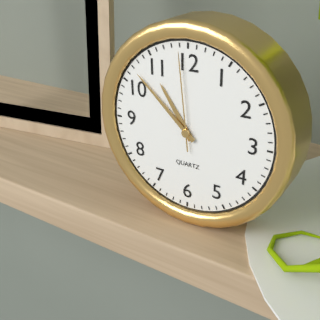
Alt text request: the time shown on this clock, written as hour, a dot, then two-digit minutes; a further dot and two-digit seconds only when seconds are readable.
10.52.59
